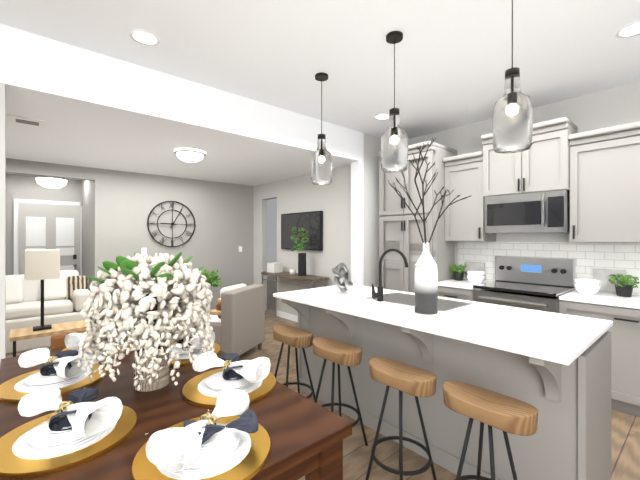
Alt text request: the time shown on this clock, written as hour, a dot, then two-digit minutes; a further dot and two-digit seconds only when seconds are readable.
9.05
